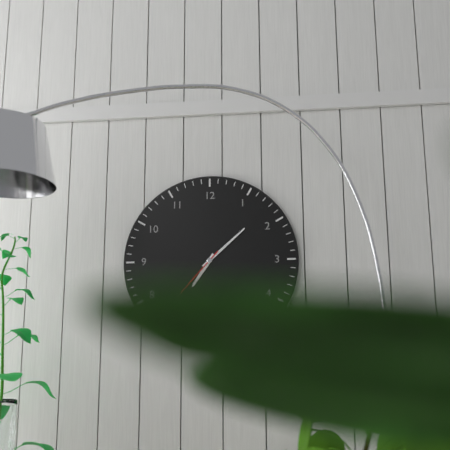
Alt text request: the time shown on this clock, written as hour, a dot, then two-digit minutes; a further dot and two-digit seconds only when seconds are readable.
7.08
